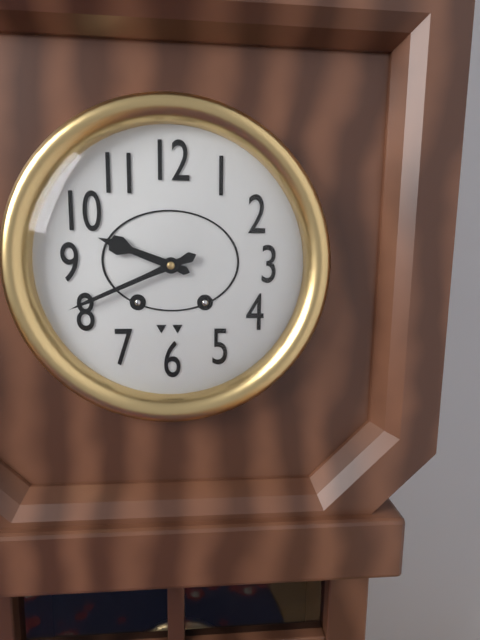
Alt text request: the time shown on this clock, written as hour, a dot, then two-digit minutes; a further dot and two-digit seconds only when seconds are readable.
9.41
